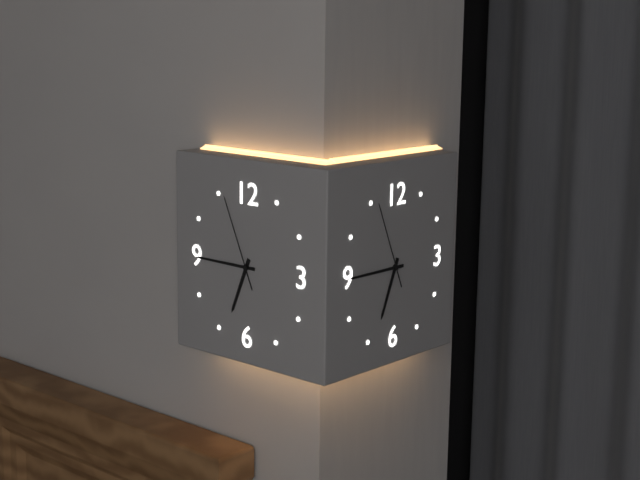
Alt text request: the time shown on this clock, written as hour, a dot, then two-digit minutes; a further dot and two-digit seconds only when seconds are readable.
6.45.56
